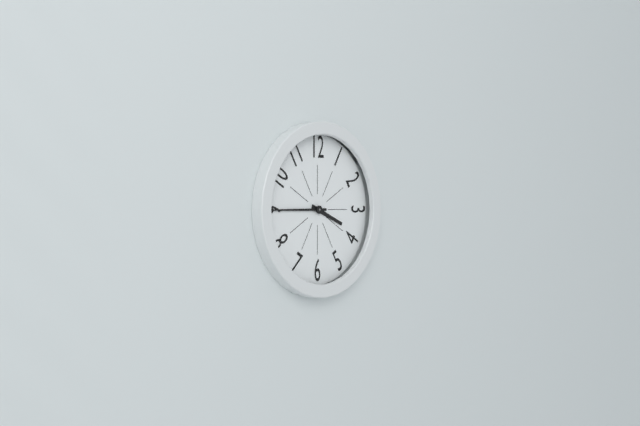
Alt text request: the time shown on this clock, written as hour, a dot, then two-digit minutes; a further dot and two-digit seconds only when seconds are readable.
3.45
